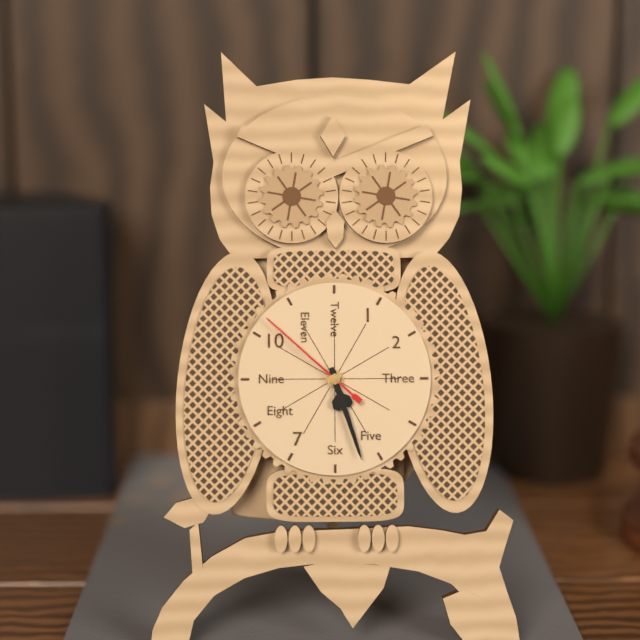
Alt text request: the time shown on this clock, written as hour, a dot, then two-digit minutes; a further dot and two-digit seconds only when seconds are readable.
5.27.52
